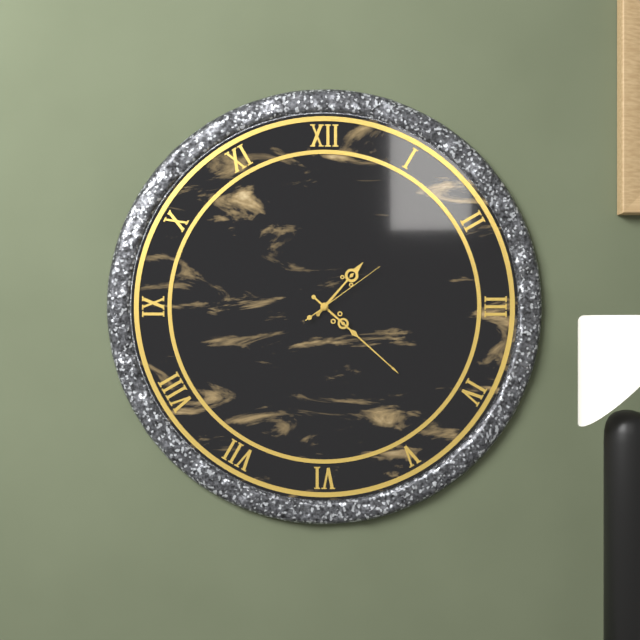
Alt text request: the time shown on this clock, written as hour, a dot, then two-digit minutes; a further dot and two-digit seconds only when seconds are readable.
1.22.09
